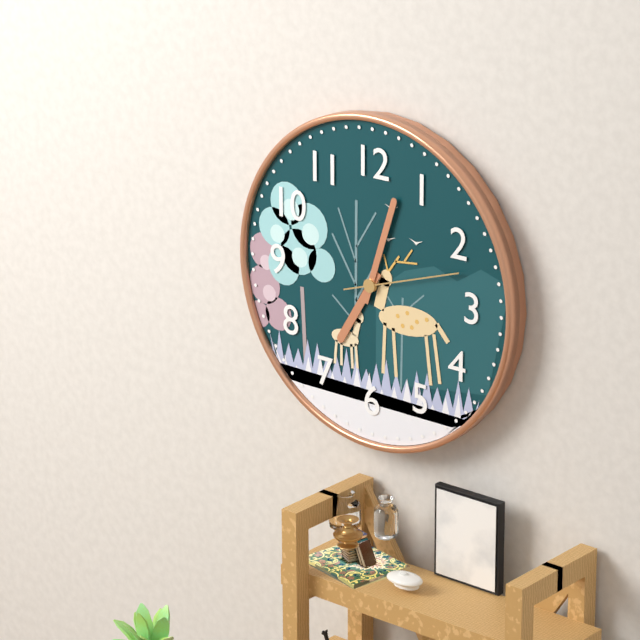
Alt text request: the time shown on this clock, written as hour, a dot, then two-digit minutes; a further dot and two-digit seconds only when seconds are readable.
7.03.12
